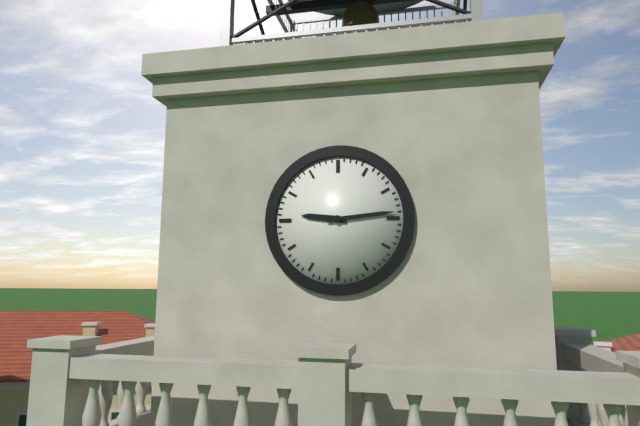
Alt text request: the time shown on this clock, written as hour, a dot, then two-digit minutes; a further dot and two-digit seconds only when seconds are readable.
9.14
